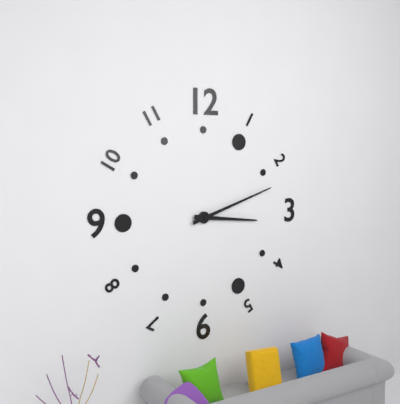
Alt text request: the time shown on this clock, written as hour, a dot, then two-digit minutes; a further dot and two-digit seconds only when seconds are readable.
3.12
